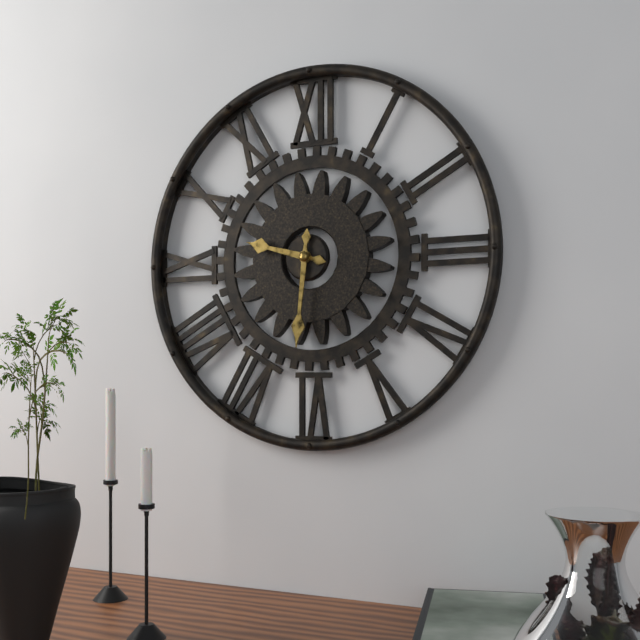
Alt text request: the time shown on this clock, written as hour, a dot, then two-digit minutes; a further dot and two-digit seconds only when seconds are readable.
9.31
